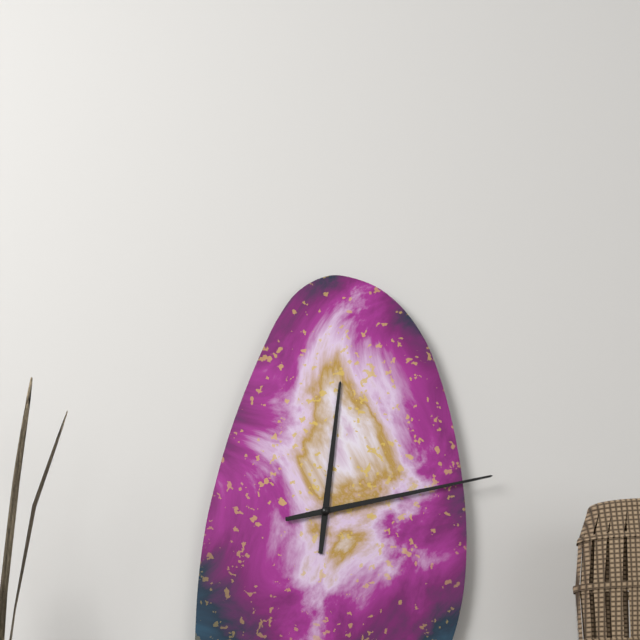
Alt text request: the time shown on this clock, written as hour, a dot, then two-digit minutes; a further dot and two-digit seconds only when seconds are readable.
12.13
